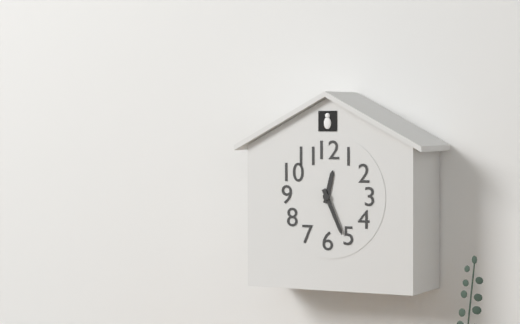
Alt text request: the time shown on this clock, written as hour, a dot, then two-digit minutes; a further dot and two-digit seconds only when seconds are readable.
12.26
